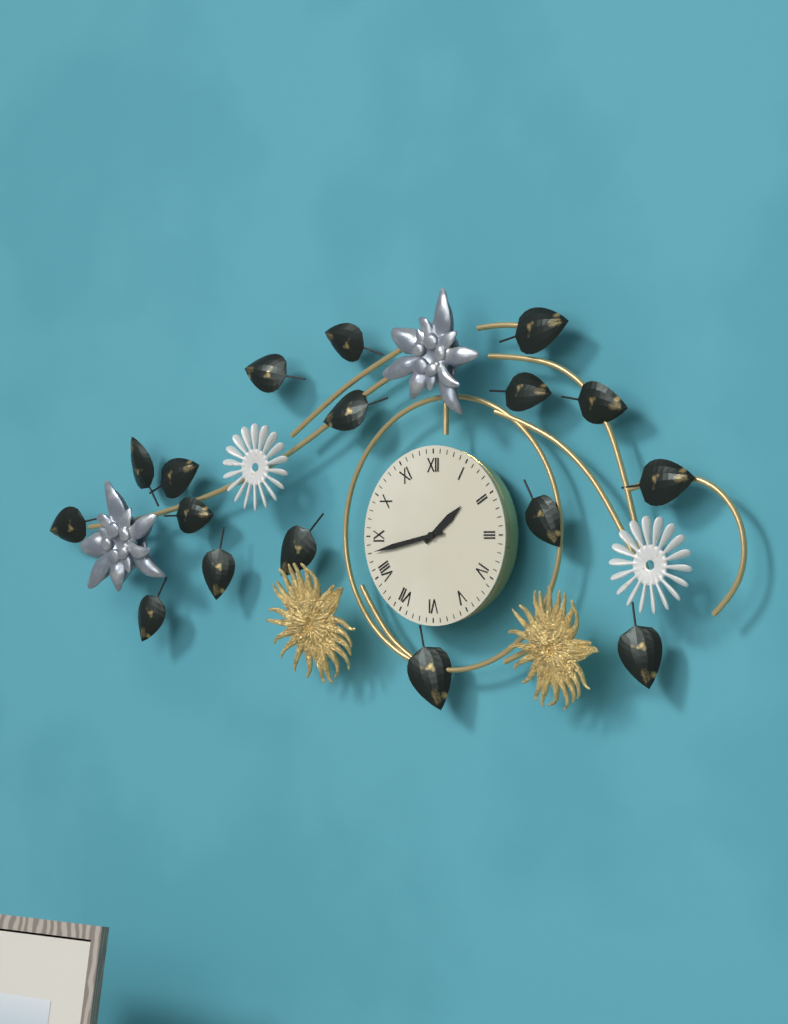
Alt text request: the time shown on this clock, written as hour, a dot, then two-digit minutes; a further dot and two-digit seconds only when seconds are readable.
1.43
